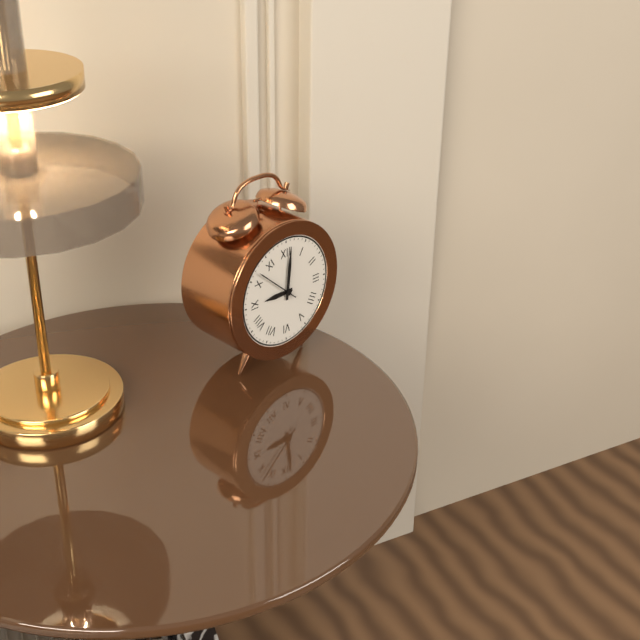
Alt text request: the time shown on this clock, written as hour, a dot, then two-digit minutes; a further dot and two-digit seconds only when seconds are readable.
9.01
